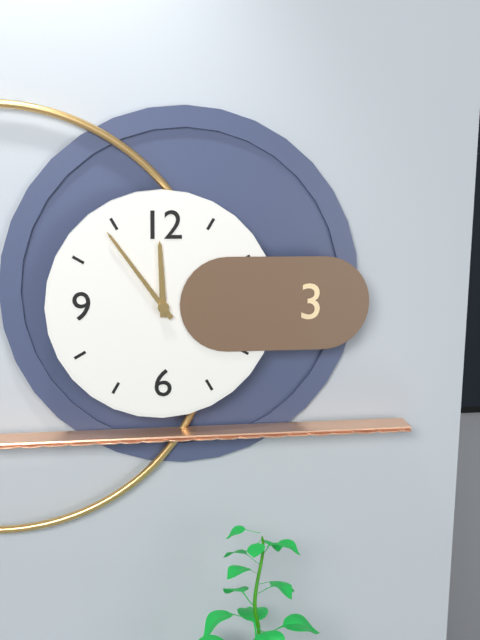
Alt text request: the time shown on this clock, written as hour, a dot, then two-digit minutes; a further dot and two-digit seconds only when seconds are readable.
11.54
